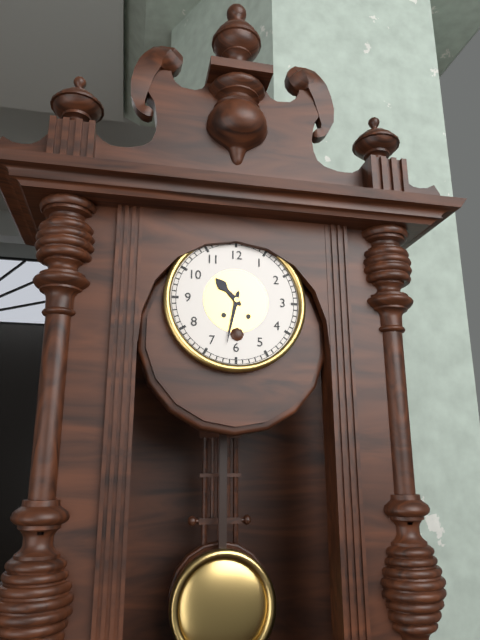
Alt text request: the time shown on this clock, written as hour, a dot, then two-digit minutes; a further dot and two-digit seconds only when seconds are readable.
10.32
